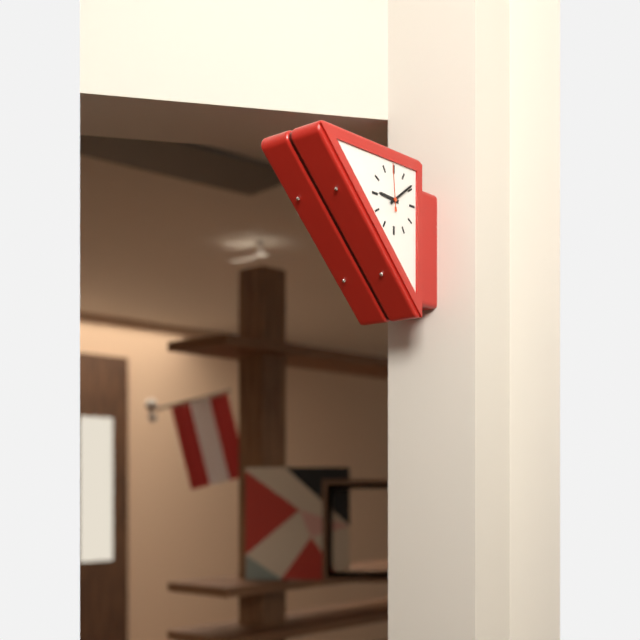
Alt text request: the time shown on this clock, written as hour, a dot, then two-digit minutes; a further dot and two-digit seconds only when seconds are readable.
9.09
